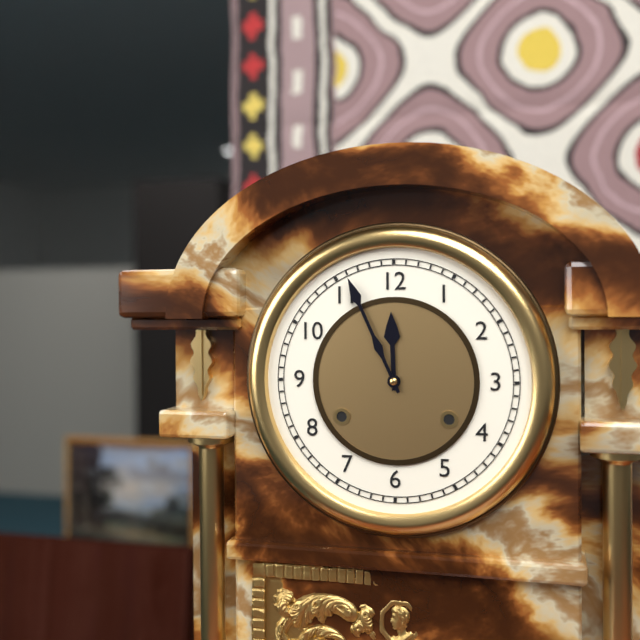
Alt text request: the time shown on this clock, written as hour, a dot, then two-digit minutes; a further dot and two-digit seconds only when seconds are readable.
11.56
